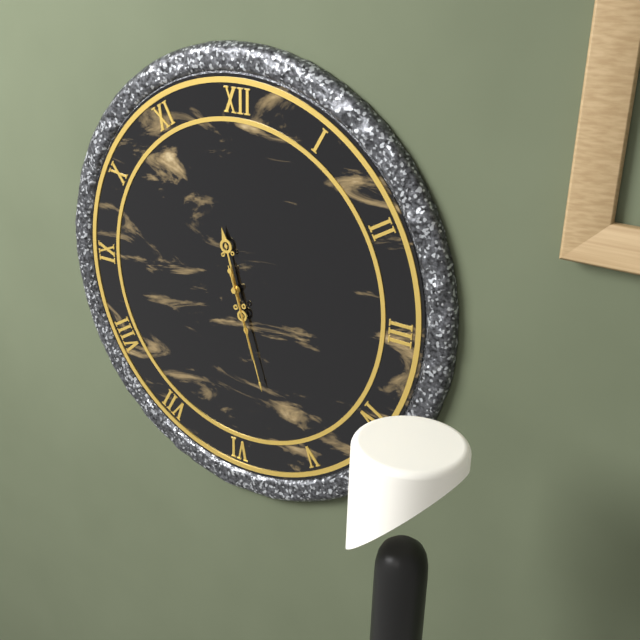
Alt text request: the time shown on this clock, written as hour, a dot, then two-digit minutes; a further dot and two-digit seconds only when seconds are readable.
11.27.27
